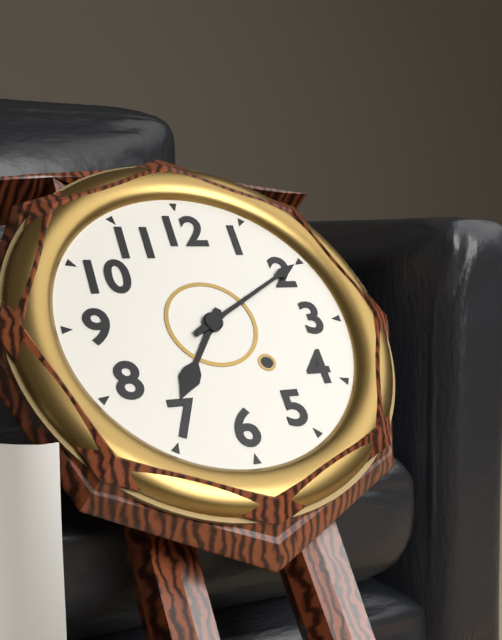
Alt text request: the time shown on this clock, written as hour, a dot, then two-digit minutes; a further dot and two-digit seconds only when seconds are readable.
7.10
